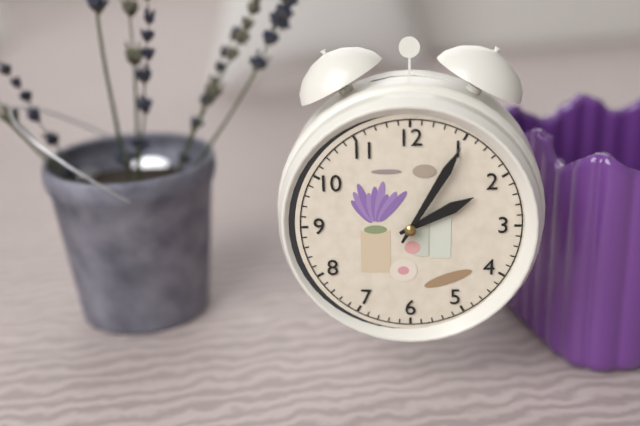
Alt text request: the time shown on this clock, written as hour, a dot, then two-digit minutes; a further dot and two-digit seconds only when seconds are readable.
2.05
